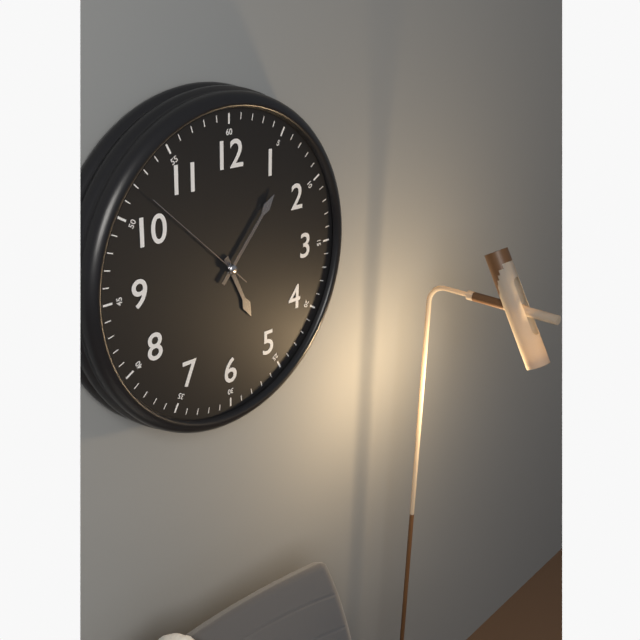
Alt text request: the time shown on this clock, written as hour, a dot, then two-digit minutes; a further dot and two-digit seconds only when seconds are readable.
5.07.52
